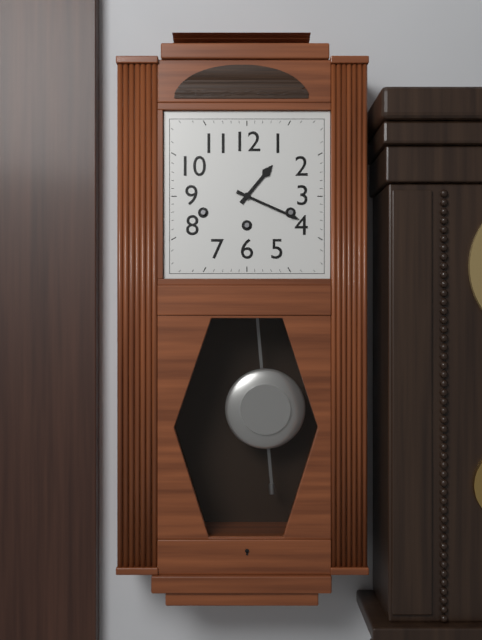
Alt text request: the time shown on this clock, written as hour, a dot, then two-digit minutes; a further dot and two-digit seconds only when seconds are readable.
1.19
